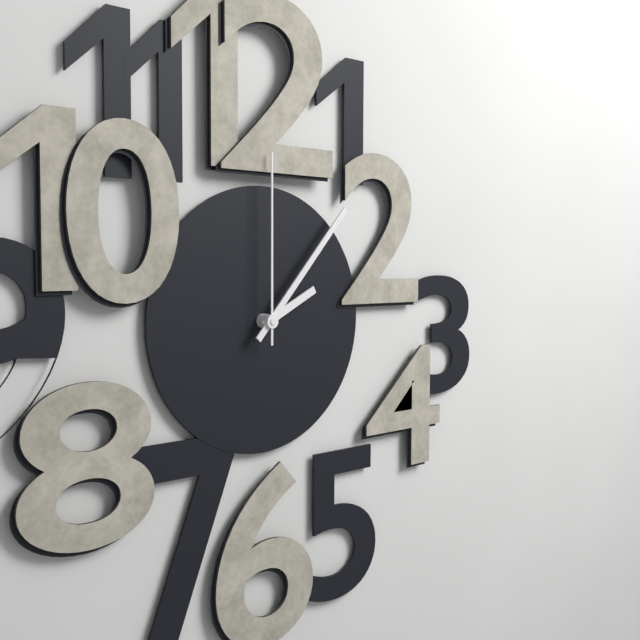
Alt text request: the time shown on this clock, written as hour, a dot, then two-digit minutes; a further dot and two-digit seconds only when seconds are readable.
2.07.00
